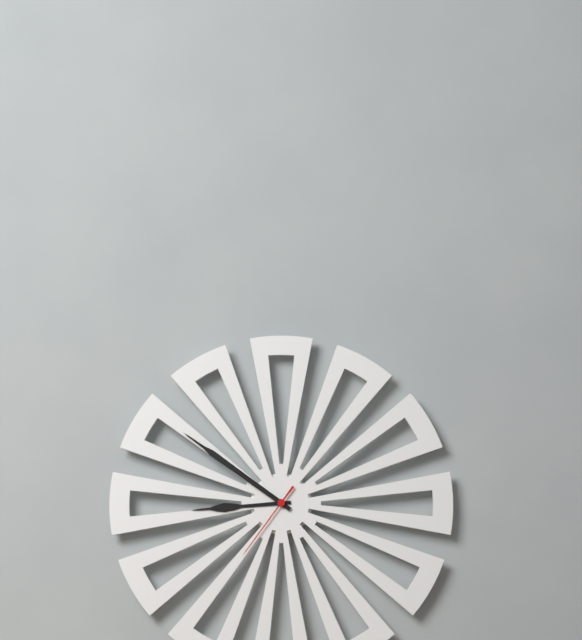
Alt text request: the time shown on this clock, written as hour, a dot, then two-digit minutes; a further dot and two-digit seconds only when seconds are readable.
8.51.36
